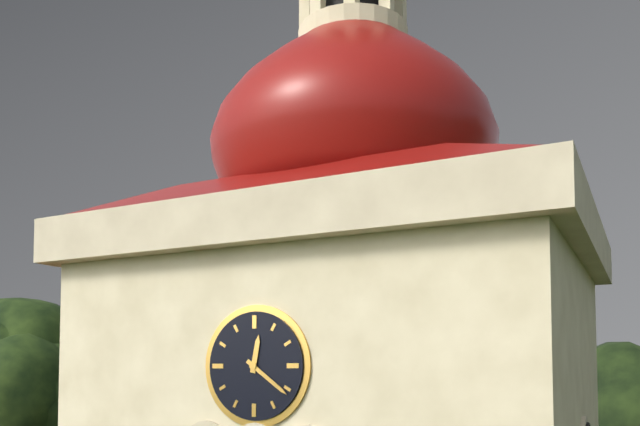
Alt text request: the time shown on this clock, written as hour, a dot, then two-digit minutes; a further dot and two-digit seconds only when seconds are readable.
12.21
